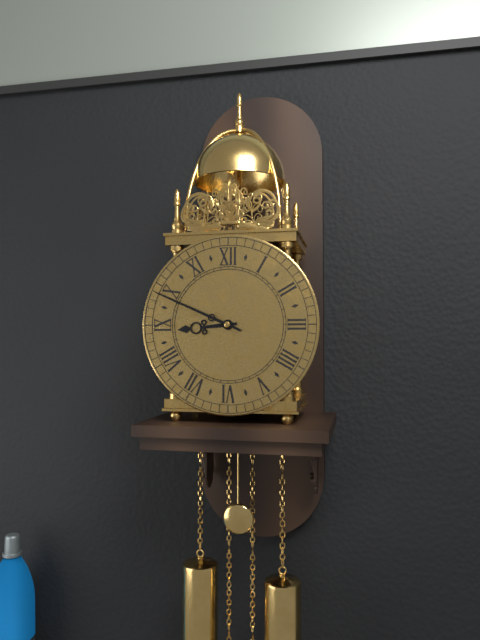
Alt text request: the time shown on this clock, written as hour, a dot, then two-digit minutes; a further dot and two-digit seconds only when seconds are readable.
8.49
